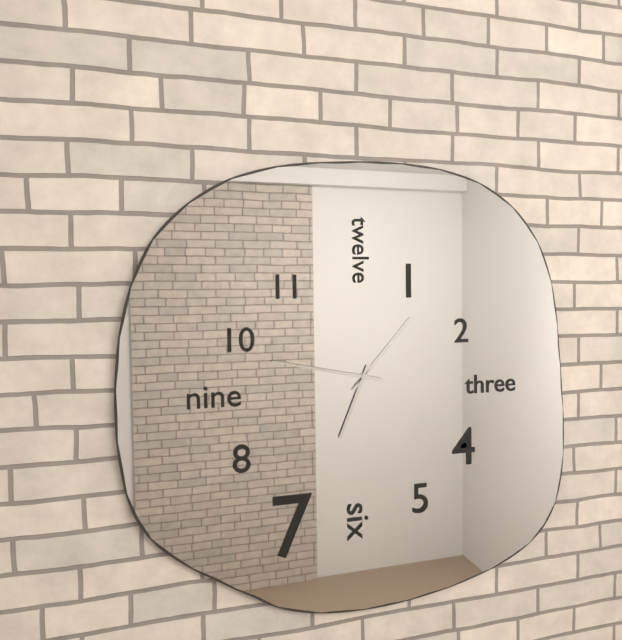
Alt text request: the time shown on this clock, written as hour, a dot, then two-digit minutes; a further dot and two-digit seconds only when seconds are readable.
6.47.07
